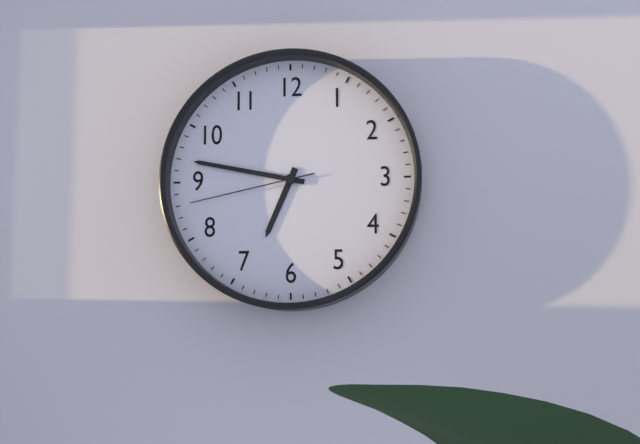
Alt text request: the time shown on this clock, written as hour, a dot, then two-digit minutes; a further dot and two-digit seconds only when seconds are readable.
6.47.43
